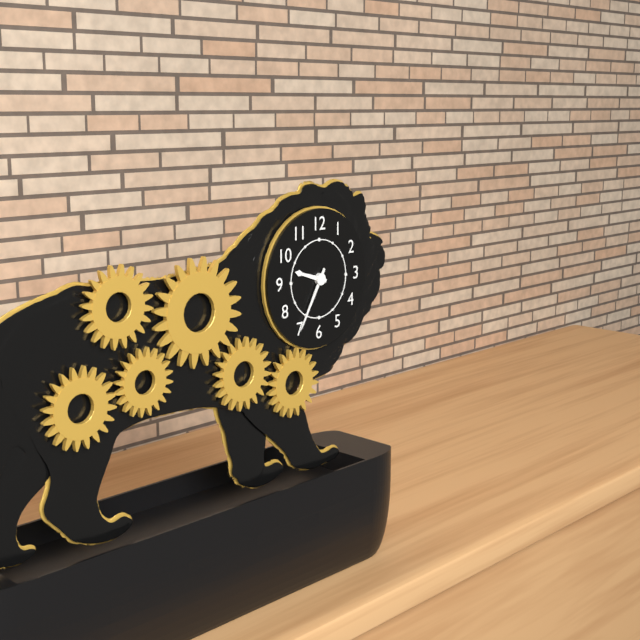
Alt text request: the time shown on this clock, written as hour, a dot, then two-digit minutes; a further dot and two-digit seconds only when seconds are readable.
9.35
